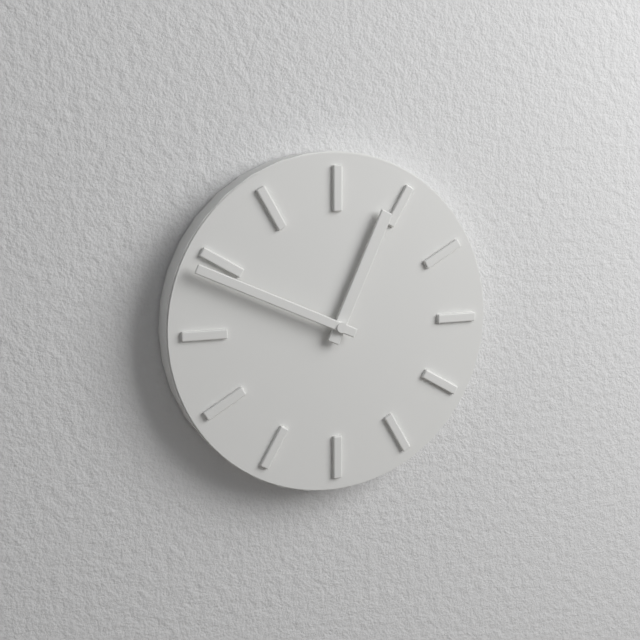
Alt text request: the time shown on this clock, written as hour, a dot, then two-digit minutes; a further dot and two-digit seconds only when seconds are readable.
12.49
